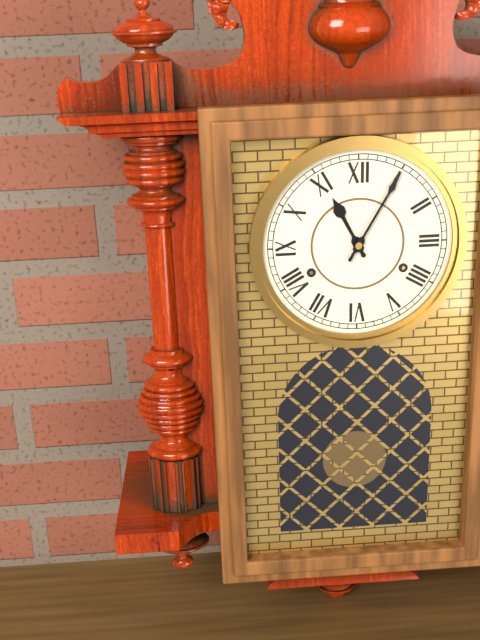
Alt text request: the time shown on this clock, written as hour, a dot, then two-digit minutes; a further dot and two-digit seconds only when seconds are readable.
11.05
